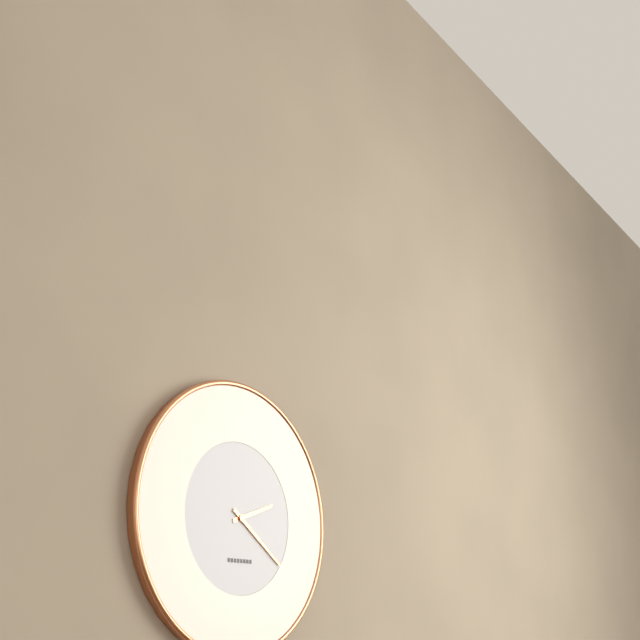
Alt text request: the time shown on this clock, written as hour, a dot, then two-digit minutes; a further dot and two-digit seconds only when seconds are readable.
2.21
